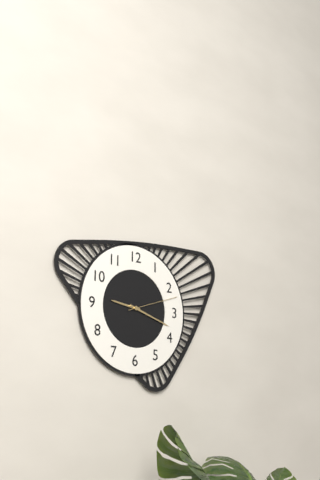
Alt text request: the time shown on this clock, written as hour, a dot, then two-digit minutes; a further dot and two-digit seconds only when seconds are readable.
9.18.12
